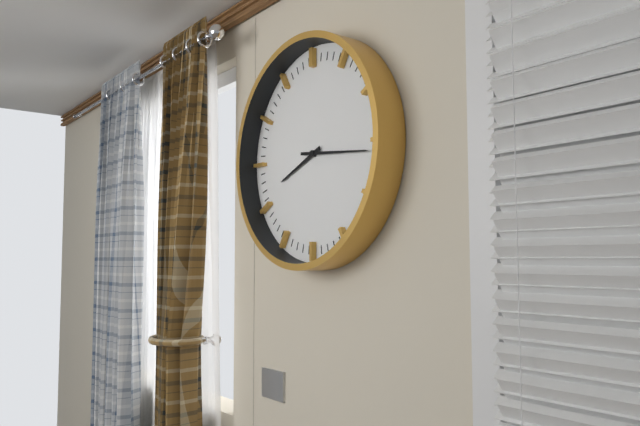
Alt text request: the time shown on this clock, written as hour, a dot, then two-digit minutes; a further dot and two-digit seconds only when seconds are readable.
8.16
